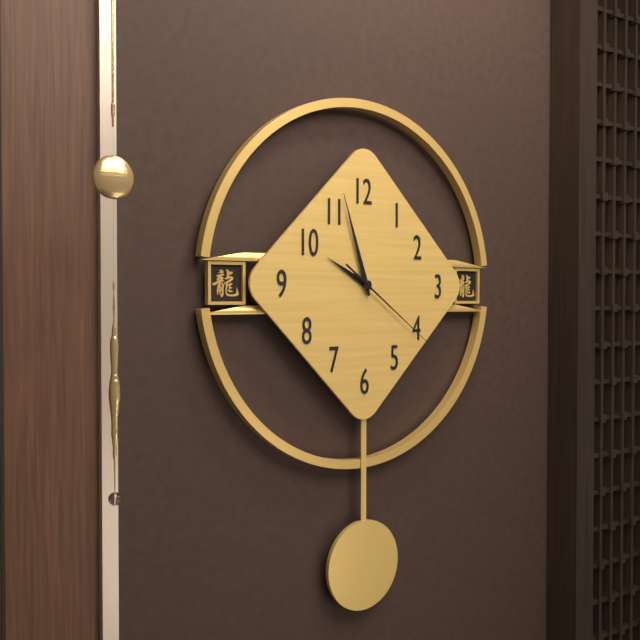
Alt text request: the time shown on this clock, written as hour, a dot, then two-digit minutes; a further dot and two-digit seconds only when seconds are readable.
9.57.21
